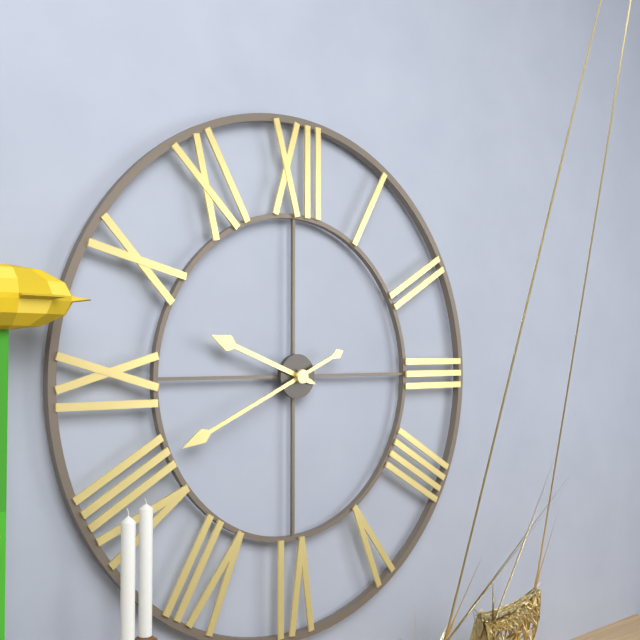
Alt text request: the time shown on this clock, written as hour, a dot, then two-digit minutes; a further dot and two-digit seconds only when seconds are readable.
9.41
